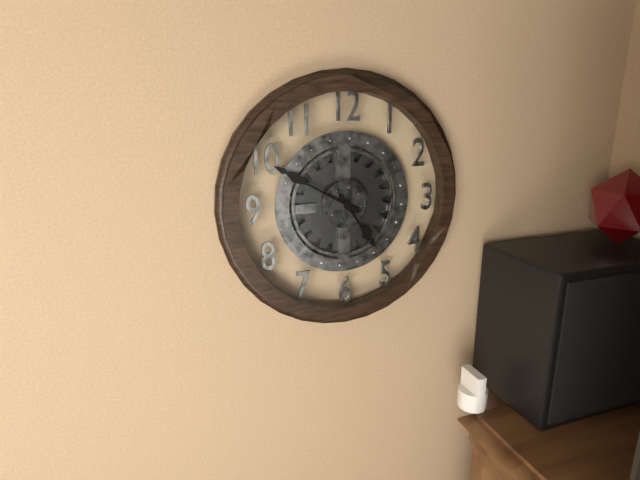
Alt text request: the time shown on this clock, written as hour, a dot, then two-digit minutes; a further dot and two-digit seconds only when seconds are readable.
4.50
